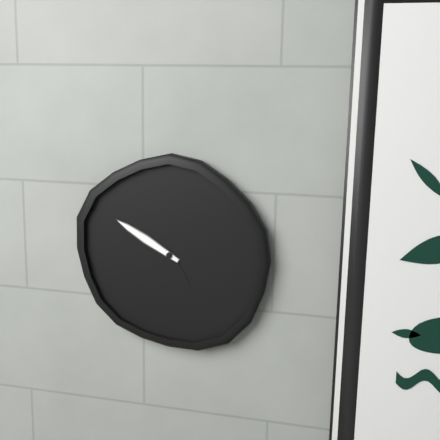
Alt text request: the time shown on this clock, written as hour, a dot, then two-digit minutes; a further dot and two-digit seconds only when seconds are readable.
4.50
